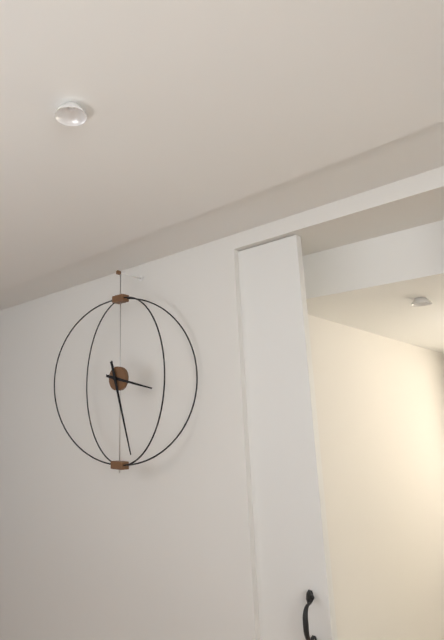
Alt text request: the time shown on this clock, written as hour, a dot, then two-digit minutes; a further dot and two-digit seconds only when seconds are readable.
3.27
